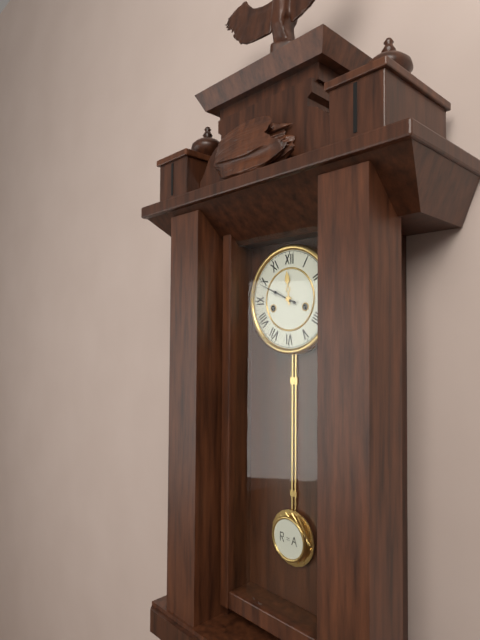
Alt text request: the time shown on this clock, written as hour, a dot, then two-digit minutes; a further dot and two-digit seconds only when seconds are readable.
11.49
